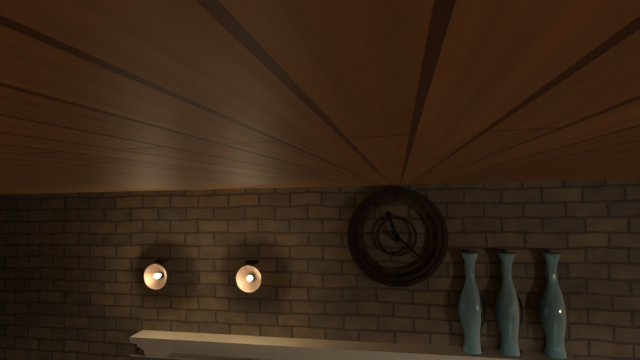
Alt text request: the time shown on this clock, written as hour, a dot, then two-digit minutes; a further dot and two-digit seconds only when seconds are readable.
11.22
